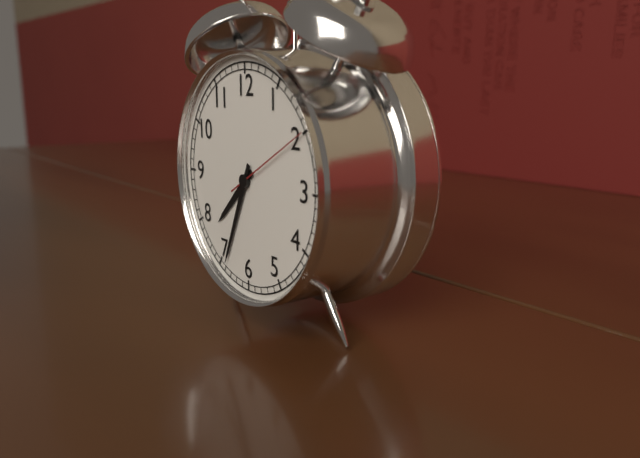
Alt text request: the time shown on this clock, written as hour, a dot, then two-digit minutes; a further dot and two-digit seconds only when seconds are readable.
7.34.10
